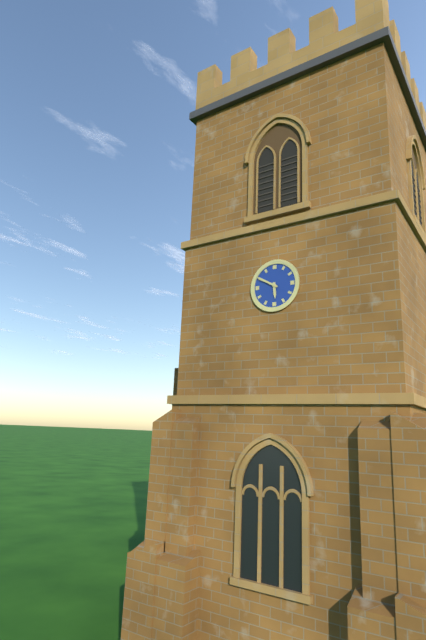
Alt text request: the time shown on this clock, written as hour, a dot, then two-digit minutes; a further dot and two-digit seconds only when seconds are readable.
5.50
